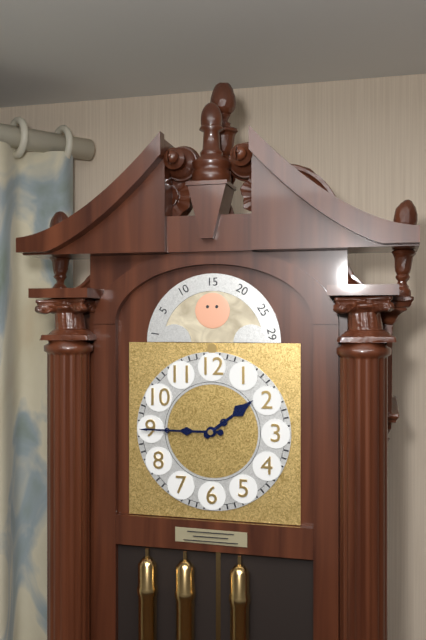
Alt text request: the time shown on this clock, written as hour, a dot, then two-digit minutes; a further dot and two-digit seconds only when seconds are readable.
1.45
